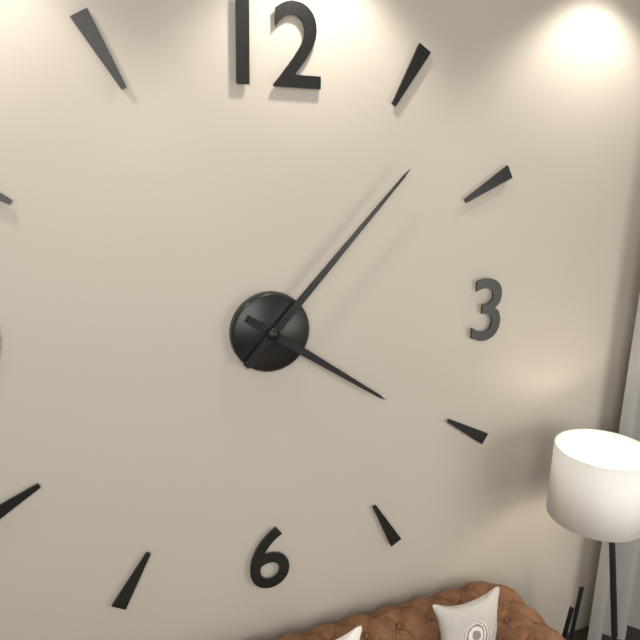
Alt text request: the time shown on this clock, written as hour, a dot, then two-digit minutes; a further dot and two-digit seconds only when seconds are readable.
4.07
